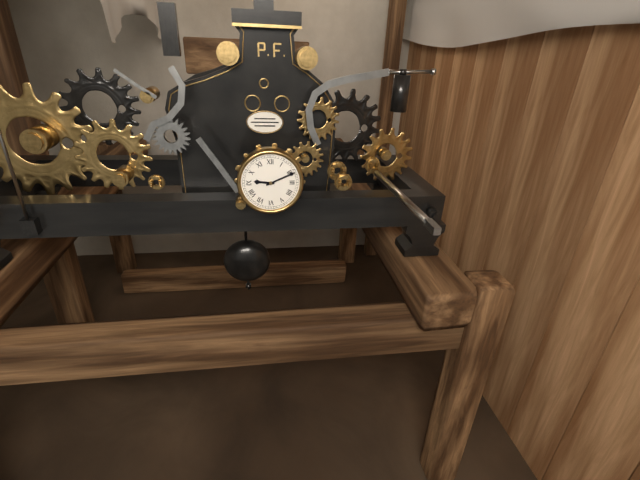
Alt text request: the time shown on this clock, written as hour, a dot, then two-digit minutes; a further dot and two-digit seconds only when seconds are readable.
9.11
